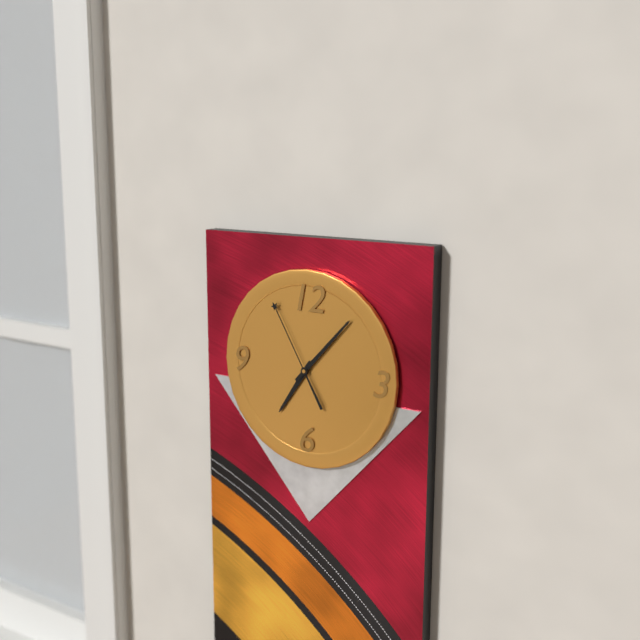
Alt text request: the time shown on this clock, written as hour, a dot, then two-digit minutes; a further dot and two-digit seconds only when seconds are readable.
7.07.55
